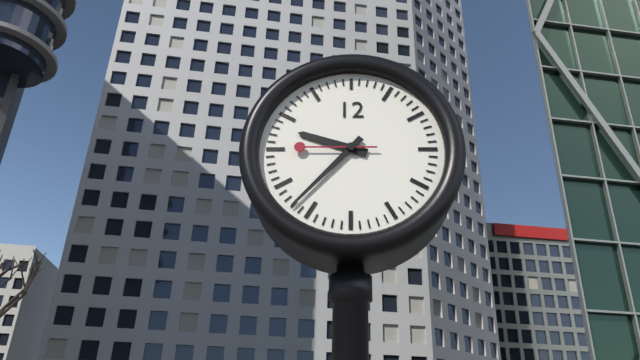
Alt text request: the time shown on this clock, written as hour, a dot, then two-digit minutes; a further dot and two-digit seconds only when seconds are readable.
9.37.45
